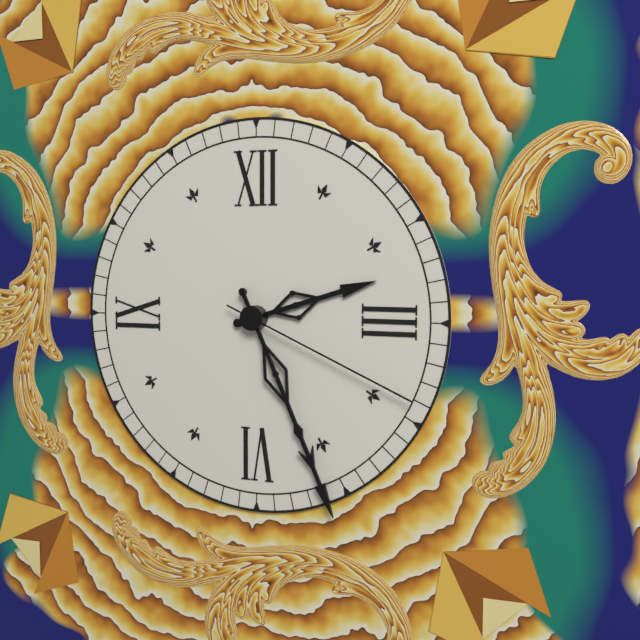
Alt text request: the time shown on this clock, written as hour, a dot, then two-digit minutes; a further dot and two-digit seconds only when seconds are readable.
2.26.19
